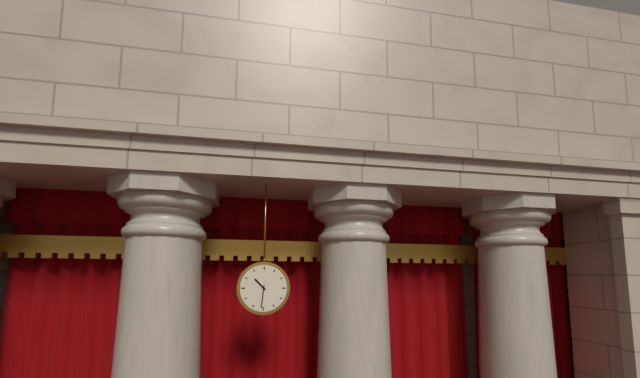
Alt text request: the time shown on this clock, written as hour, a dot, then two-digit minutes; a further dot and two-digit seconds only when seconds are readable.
10.31
